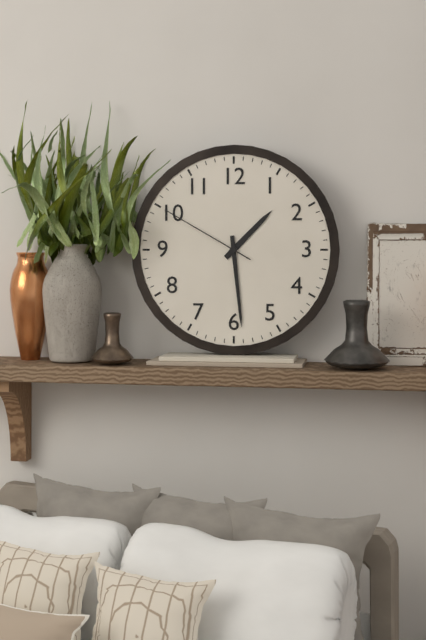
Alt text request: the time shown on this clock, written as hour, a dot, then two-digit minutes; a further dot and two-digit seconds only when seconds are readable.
1.29.50
